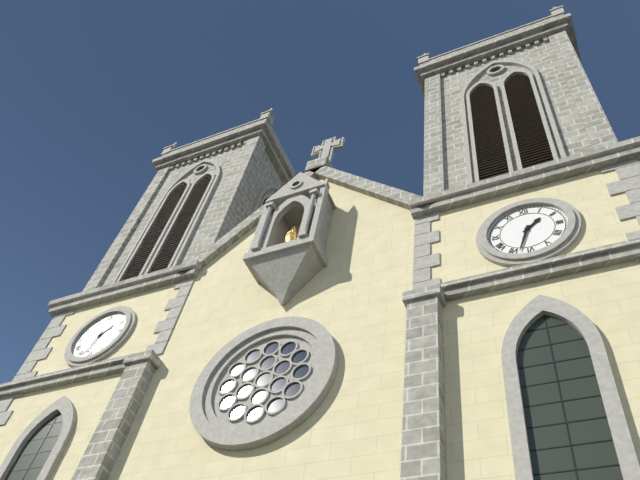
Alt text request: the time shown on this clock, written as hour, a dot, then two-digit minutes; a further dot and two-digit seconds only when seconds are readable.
1.33
